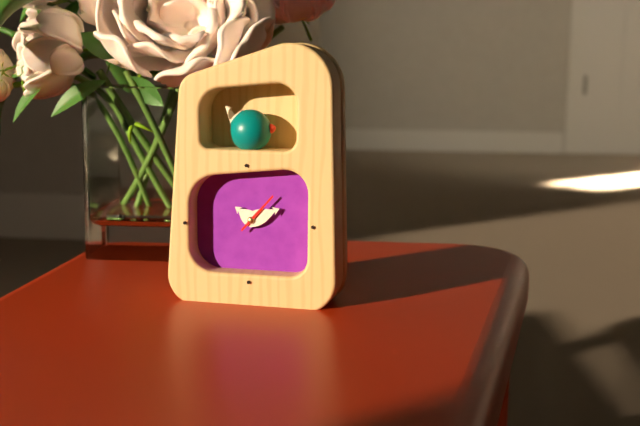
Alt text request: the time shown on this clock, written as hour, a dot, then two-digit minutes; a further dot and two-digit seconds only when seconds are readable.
10.11
